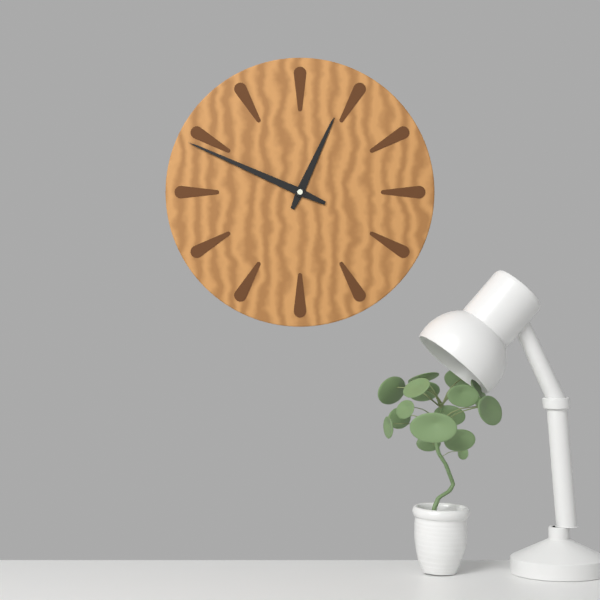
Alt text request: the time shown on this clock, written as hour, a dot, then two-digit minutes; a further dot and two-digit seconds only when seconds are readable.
12.49
